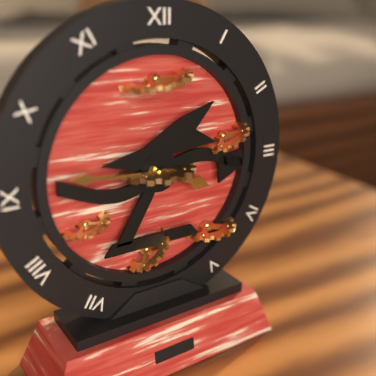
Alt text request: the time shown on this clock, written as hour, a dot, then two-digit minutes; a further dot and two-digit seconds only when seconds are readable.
3.46
